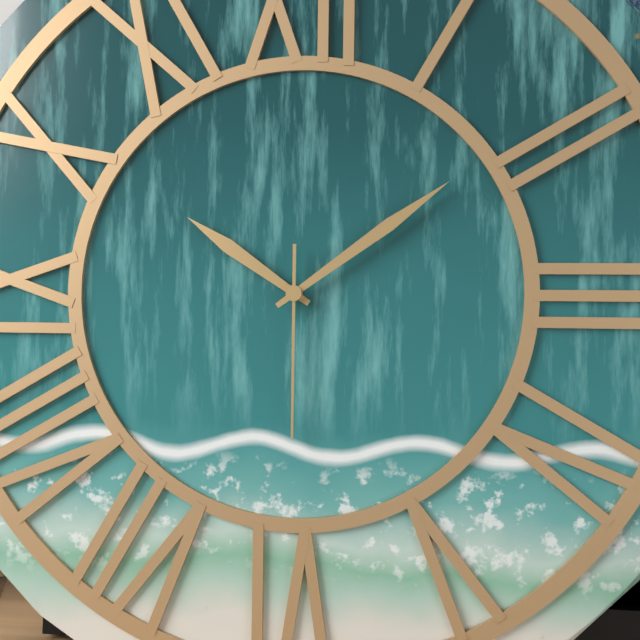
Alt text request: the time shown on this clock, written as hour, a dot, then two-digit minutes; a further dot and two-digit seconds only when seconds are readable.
10.09.30
